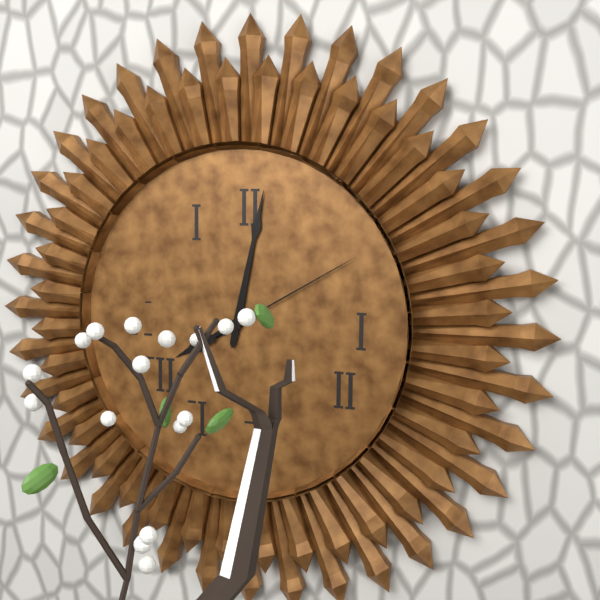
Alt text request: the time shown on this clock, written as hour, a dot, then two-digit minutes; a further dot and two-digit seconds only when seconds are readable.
8.02.10
